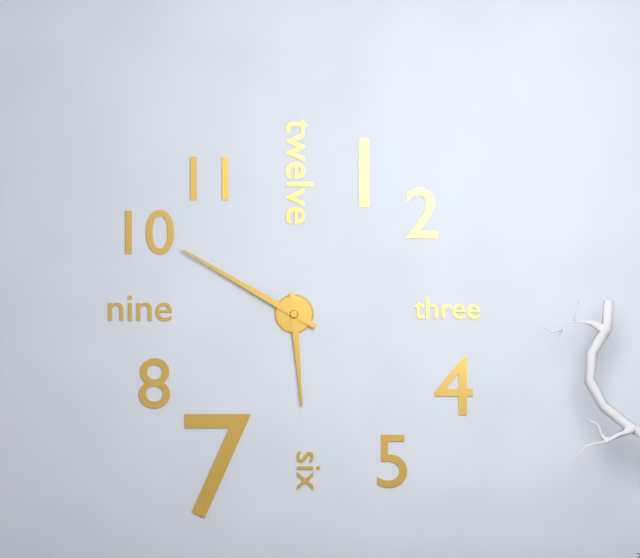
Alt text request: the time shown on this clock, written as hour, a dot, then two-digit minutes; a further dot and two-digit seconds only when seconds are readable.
5.50
